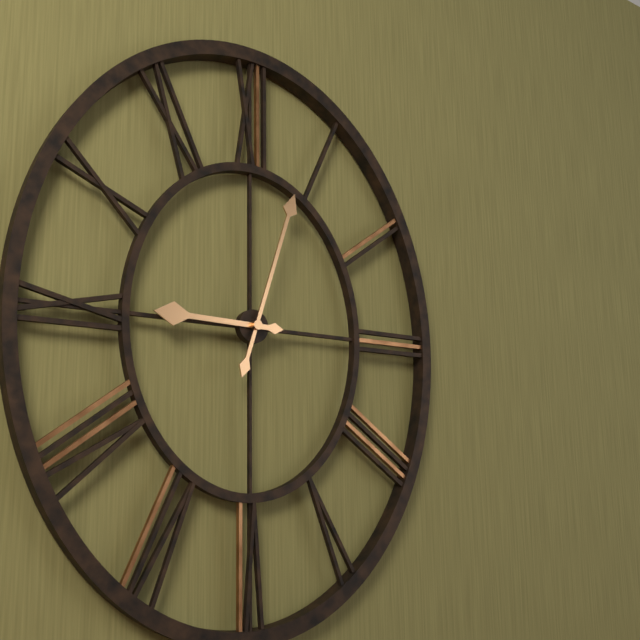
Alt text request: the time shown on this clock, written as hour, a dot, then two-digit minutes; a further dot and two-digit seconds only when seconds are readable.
9.03
